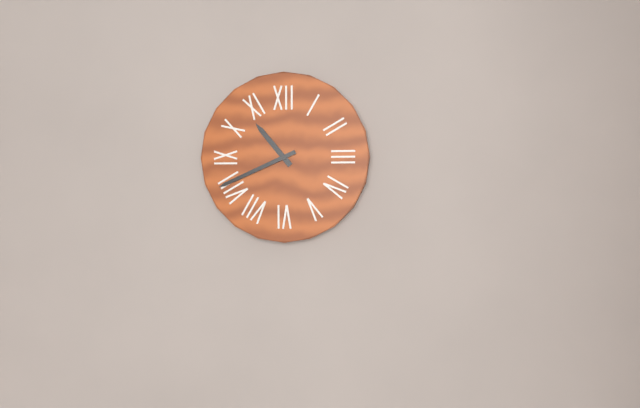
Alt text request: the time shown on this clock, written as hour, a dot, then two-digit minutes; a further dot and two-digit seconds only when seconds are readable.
10.41
